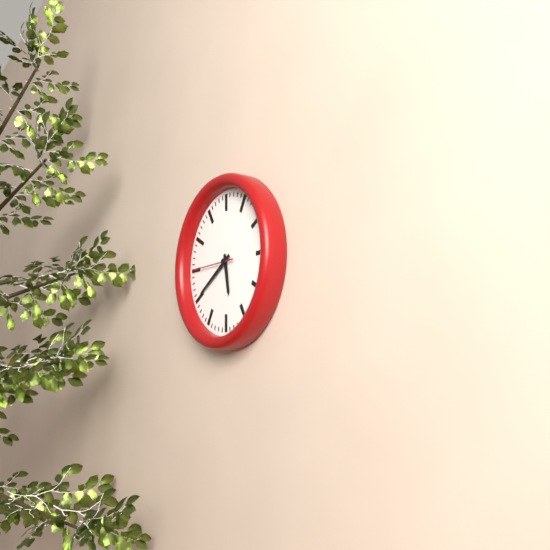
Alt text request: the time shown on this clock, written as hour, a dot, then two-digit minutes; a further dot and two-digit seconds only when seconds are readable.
5.40.45
